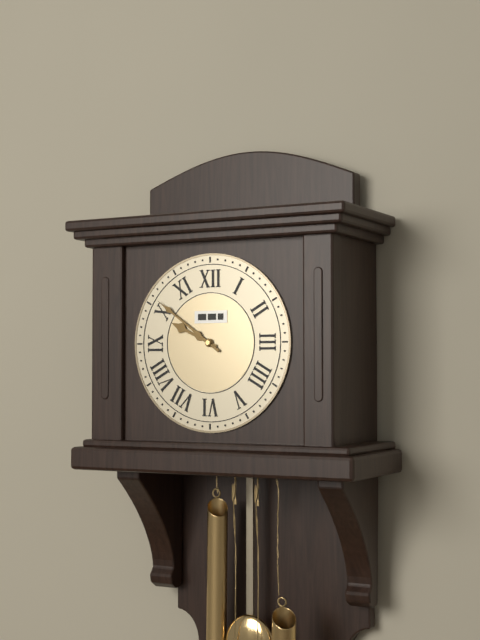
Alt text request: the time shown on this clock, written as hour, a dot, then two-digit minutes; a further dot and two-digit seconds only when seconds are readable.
9.51
